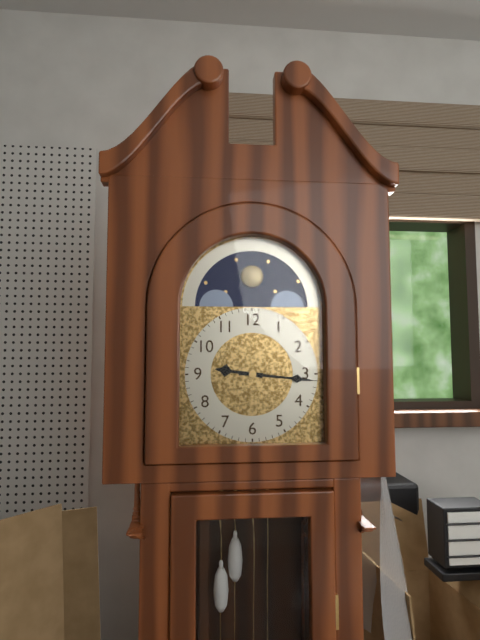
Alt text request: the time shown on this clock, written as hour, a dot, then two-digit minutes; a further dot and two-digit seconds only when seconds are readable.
9.16
